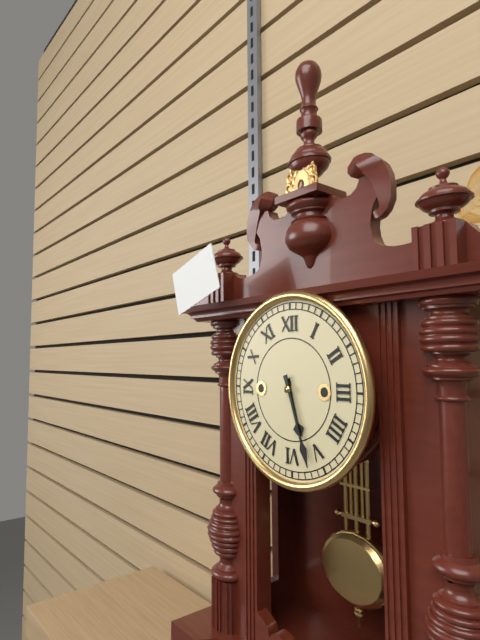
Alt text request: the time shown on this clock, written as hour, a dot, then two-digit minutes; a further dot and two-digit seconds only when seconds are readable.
5.27
